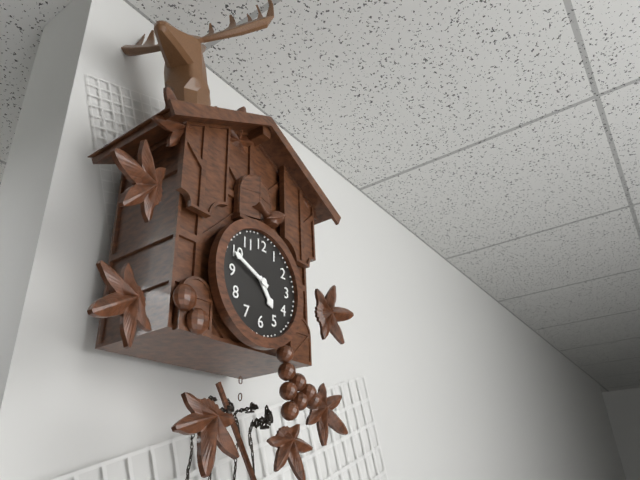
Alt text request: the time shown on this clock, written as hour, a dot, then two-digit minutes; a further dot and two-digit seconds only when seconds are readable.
4.49
